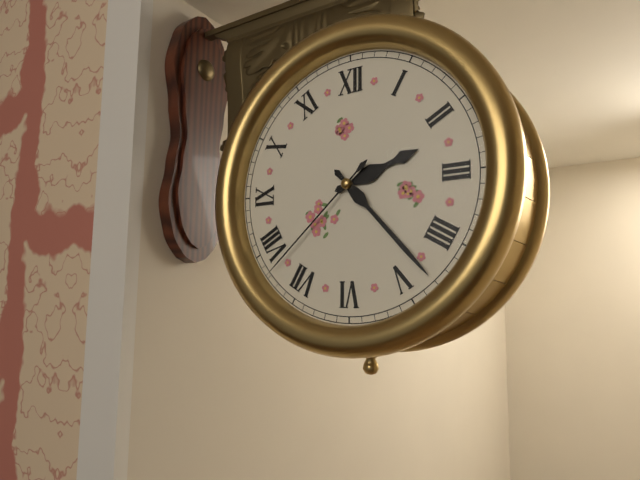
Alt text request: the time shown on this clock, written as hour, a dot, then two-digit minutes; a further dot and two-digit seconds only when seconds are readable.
2.23.38
